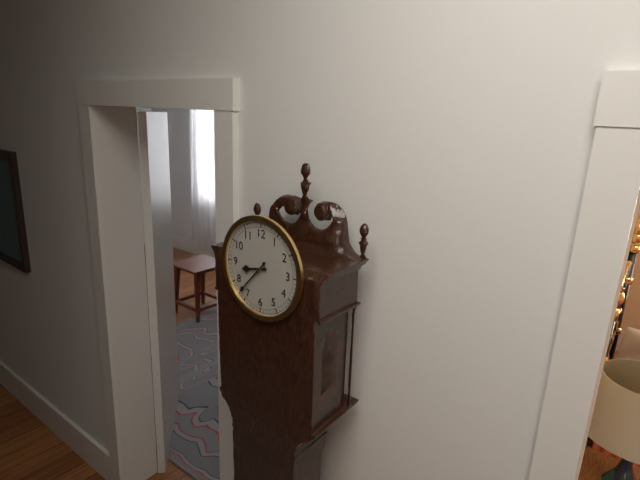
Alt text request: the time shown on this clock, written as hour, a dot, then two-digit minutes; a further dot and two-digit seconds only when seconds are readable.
8.37
